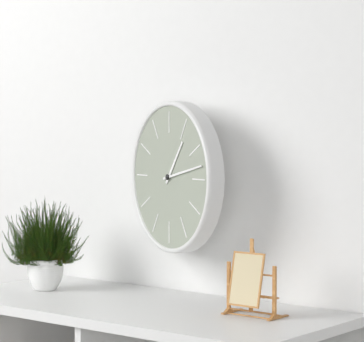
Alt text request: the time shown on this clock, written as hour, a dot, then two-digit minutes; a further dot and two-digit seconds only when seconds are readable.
1.13
